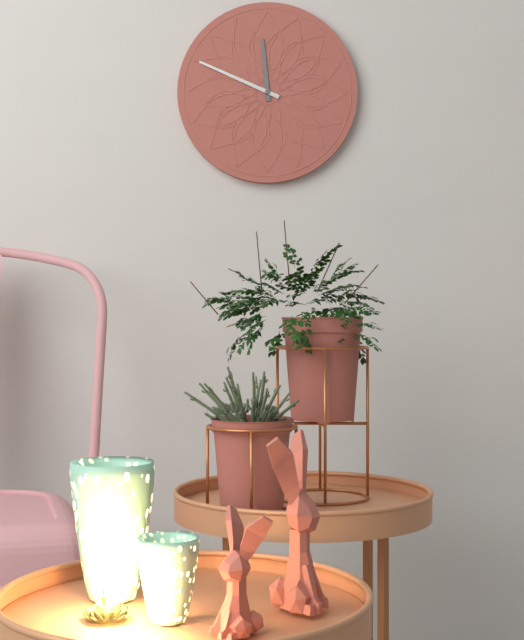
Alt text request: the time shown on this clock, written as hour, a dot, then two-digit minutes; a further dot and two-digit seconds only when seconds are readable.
11.49
